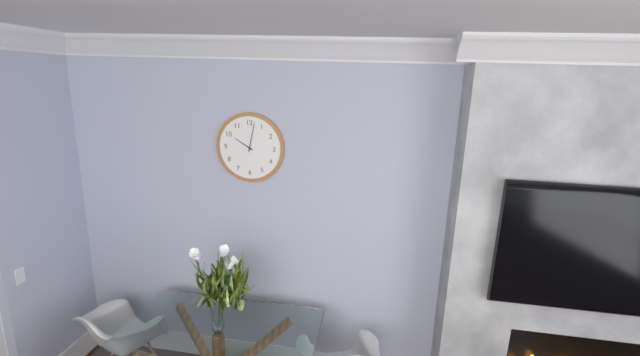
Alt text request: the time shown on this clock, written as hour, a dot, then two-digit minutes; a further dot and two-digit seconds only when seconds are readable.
10.02
